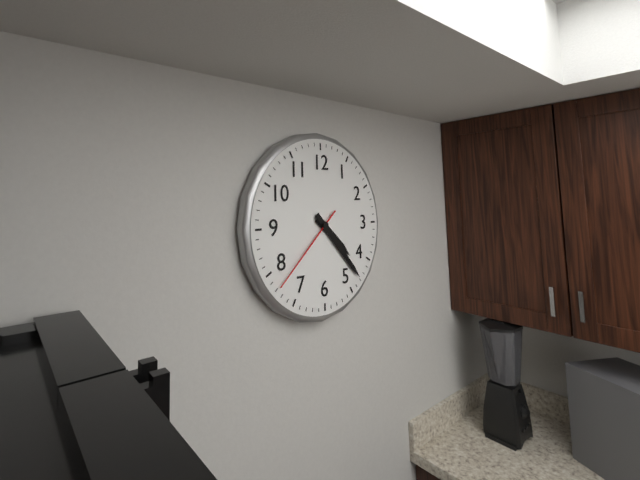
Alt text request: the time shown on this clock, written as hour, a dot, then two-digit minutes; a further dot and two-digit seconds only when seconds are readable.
4.23.38
